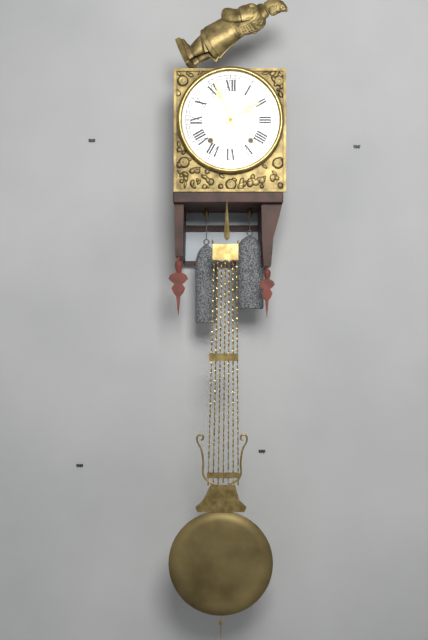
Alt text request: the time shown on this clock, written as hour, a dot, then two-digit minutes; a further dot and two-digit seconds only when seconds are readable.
1.56
